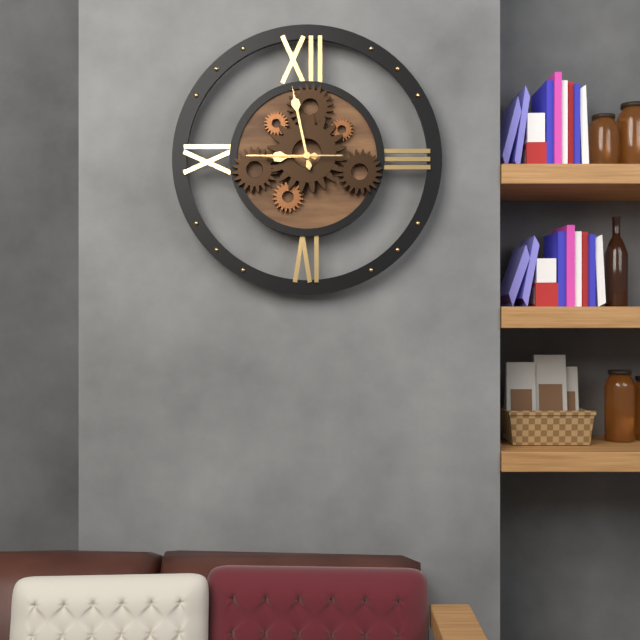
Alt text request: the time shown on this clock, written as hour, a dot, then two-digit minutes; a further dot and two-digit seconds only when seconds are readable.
8.58.45
